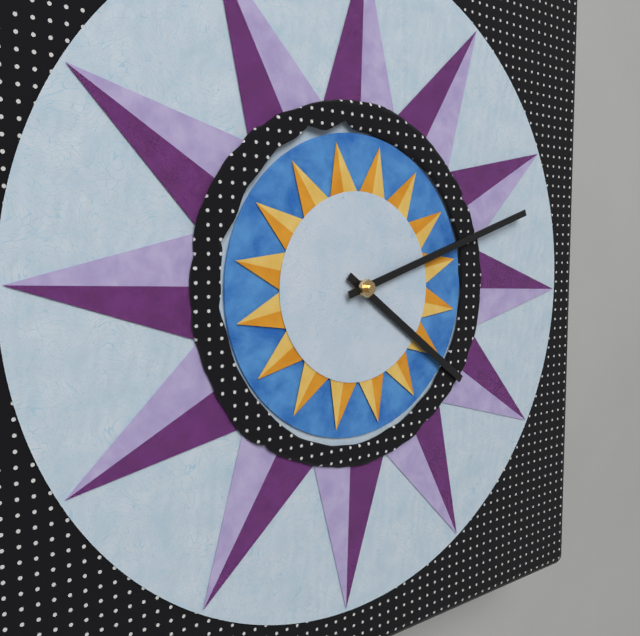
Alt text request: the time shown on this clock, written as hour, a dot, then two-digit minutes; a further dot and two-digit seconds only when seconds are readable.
4.12
